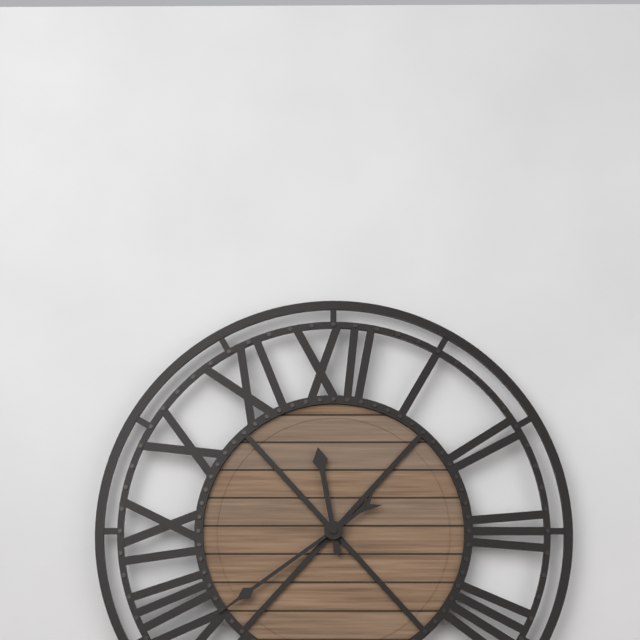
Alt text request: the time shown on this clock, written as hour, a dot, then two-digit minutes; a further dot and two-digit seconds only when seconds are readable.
11.39
